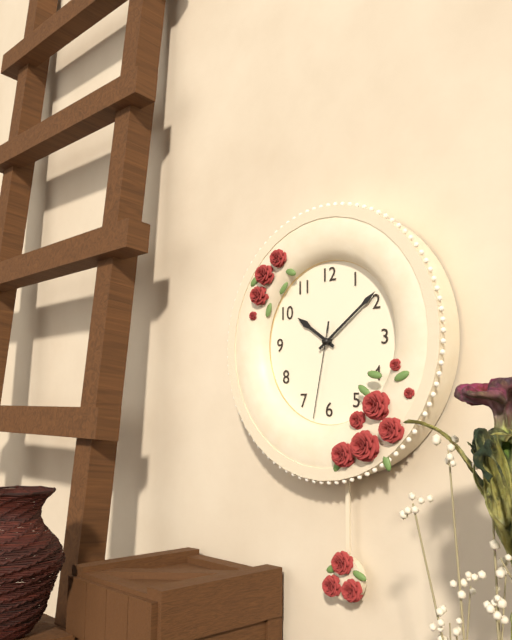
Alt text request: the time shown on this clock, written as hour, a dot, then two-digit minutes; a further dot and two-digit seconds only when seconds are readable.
10.09.32
